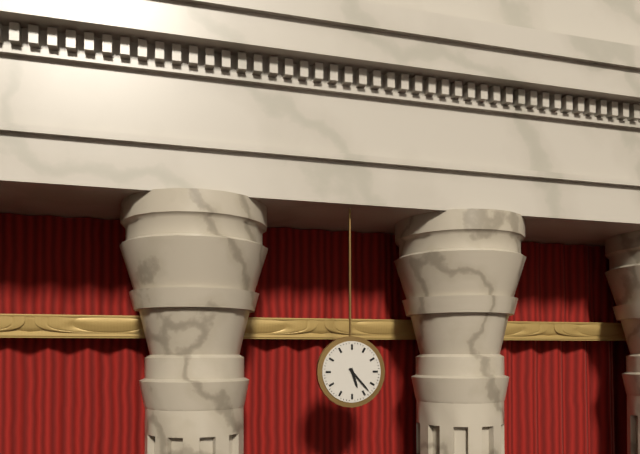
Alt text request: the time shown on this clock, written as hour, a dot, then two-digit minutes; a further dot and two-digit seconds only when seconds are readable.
5.23
